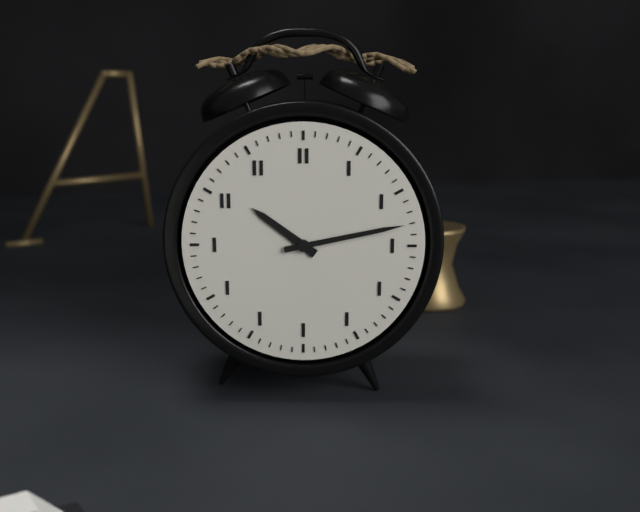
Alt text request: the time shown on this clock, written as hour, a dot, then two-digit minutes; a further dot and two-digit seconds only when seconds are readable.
10.13
